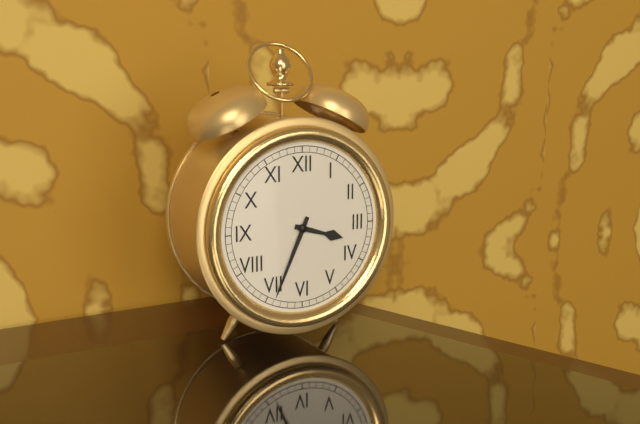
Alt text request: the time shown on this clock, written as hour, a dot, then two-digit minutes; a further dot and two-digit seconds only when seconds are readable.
3.34
